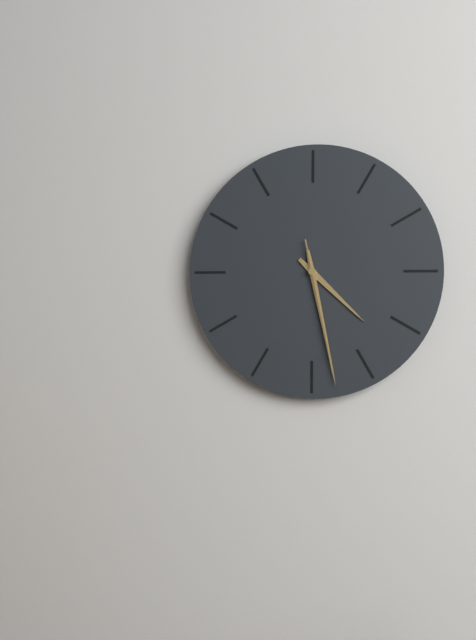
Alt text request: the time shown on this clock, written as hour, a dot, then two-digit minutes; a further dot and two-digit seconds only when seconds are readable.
4.28.28
